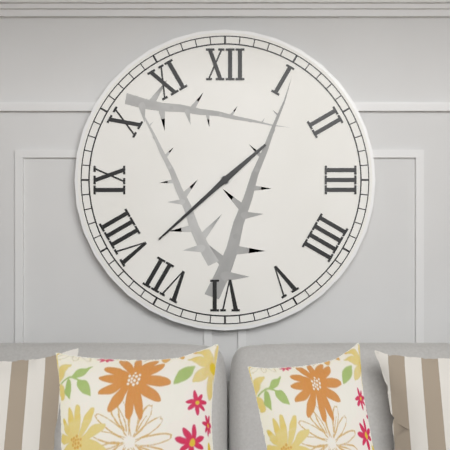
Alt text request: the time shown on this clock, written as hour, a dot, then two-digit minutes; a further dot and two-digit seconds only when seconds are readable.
1.38
